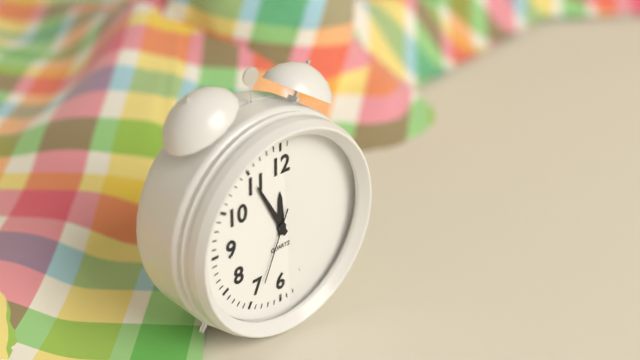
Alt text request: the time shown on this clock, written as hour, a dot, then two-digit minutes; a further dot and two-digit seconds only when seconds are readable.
11.55.34
